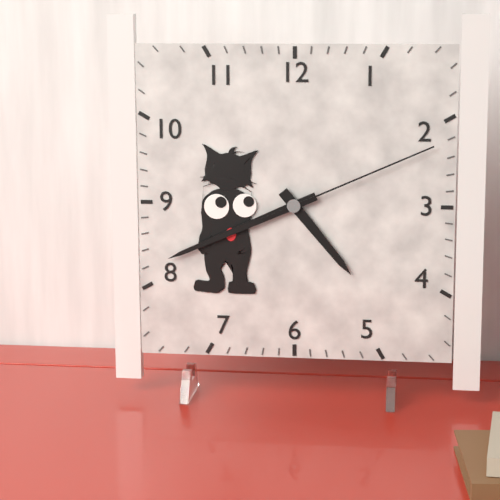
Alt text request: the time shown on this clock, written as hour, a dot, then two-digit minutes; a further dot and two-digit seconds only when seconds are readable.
4.41.11
